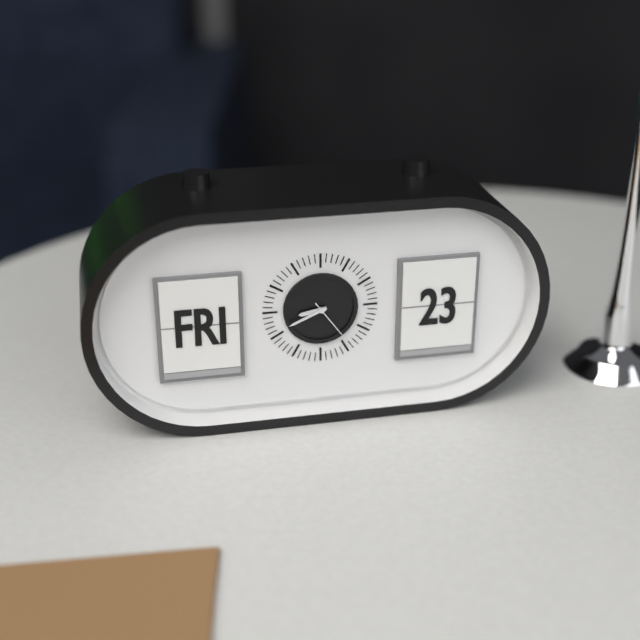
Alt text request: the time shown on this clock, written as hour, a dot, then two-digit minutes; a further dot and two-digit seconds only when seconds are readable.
8.41.24
